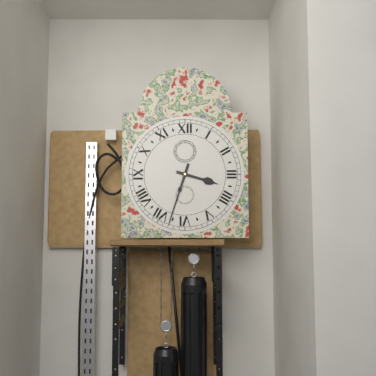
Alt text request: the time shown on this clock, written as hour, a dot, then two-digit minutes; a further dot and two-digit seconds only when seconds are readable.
3.33
